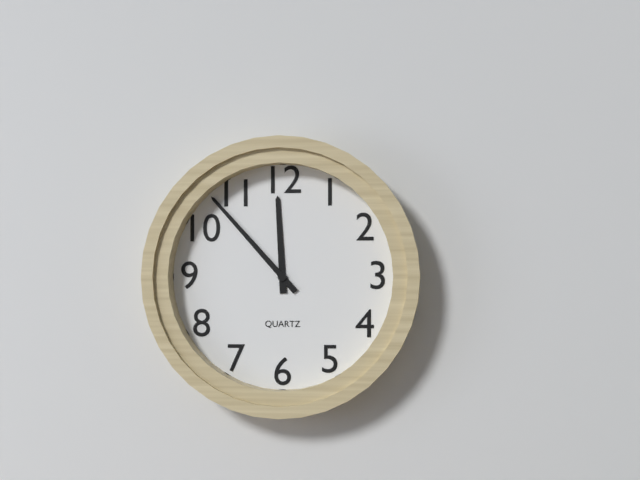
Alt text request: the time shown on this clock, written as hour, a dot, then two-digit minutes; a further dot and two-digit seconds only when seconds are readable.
11.53
